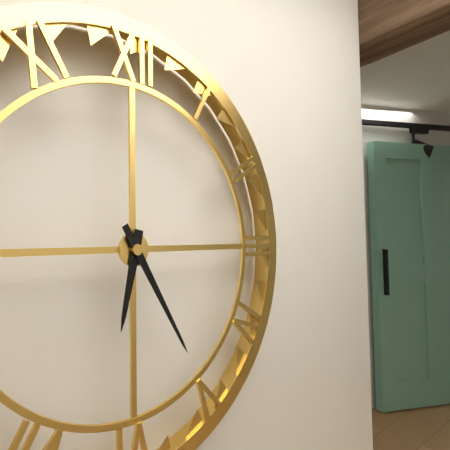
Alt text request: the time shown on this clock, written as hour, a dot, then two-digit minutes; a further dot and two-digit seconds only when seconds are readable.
6.25
